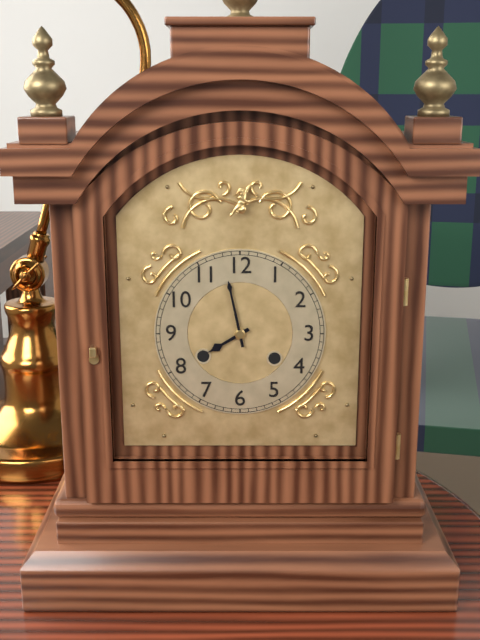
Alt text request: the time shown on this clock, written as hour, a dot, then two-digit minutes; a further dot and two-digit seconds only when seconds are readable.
7.58
